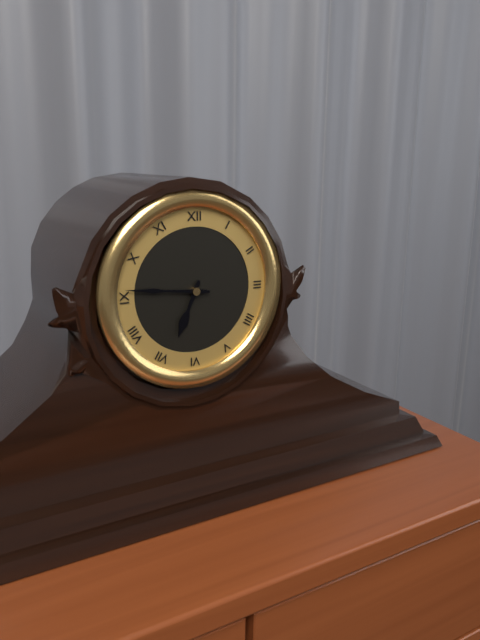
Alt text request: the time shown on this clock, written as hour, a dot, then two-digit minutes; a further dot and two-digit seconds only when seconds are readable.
6.46
